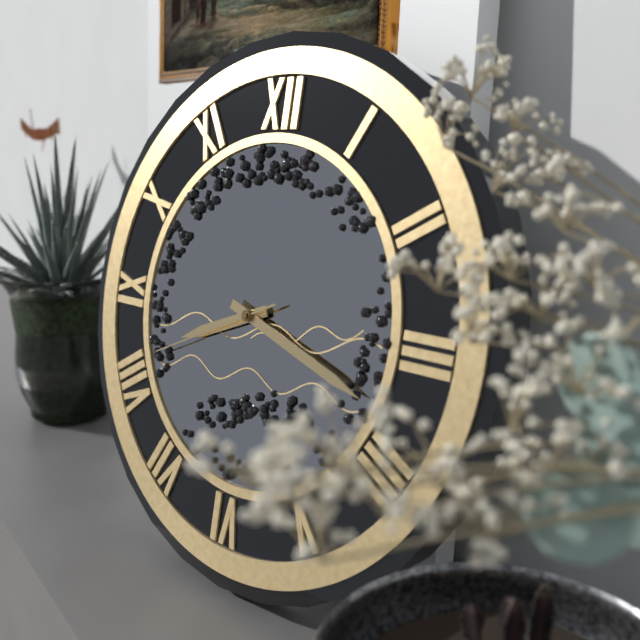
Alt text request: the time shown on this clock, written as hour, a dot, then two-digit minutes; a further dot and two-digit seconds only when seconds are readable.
8.18.41
